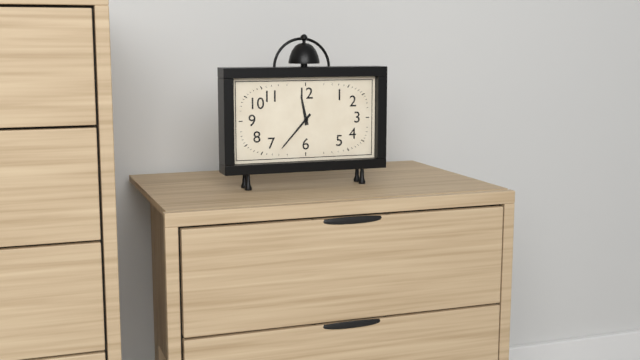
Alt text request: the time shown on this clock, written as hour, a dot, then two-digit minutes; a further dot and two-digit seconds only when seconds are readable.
11.37
